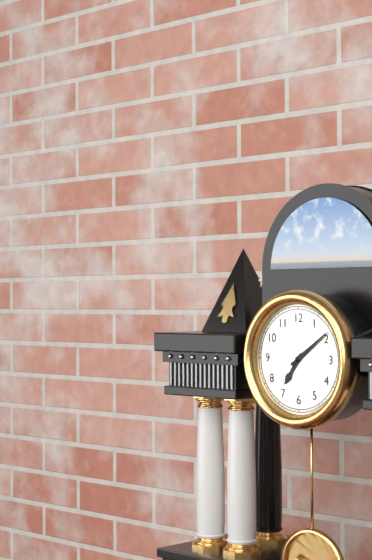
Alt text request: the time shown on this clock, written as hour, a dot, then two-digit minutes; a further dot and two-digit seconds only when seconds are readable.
7.09
